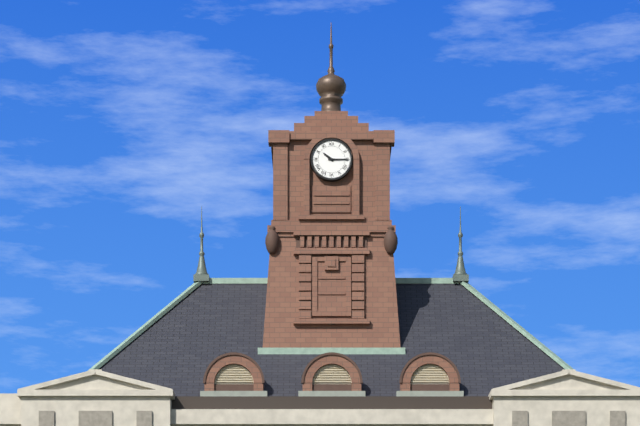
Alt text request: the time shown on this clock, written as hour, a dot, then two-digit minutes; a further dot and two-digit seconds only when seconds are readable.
10.15
